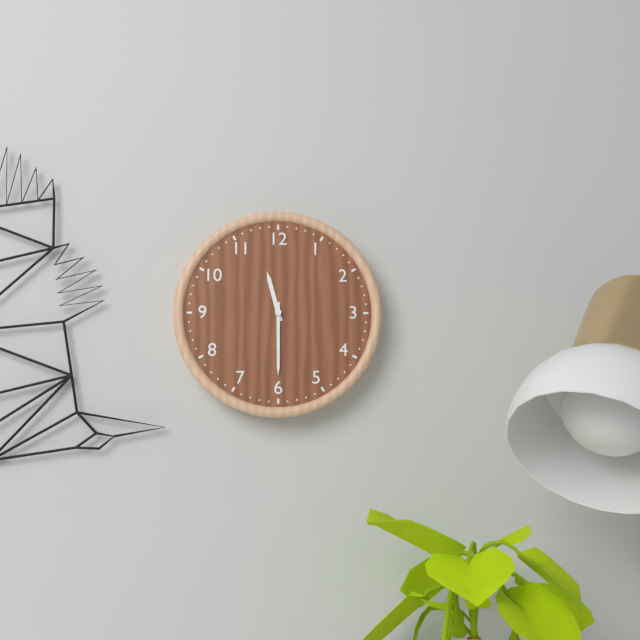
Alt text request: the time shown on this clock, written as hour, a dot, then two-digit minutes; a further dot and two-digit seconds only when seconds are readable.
11.30
